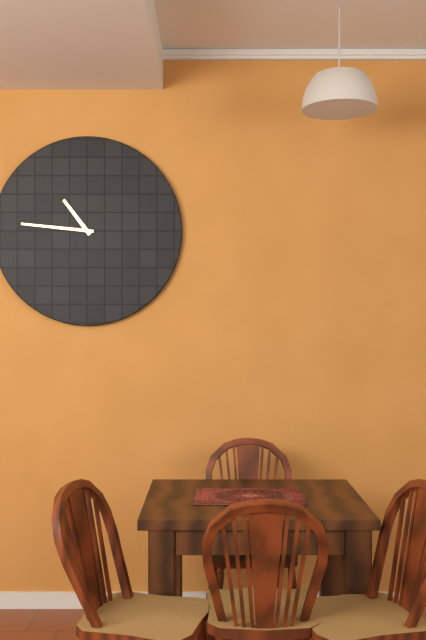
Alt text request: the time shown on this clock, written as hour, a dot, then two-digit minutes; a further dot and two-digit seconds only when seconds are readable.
10.46
